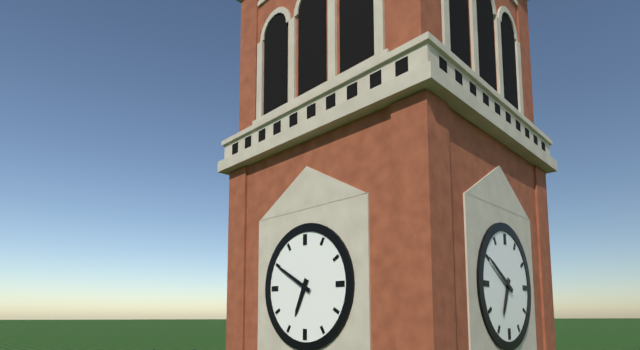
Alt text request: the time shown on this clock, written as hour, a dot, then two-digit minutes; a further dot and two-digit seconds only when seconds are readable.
6.50
